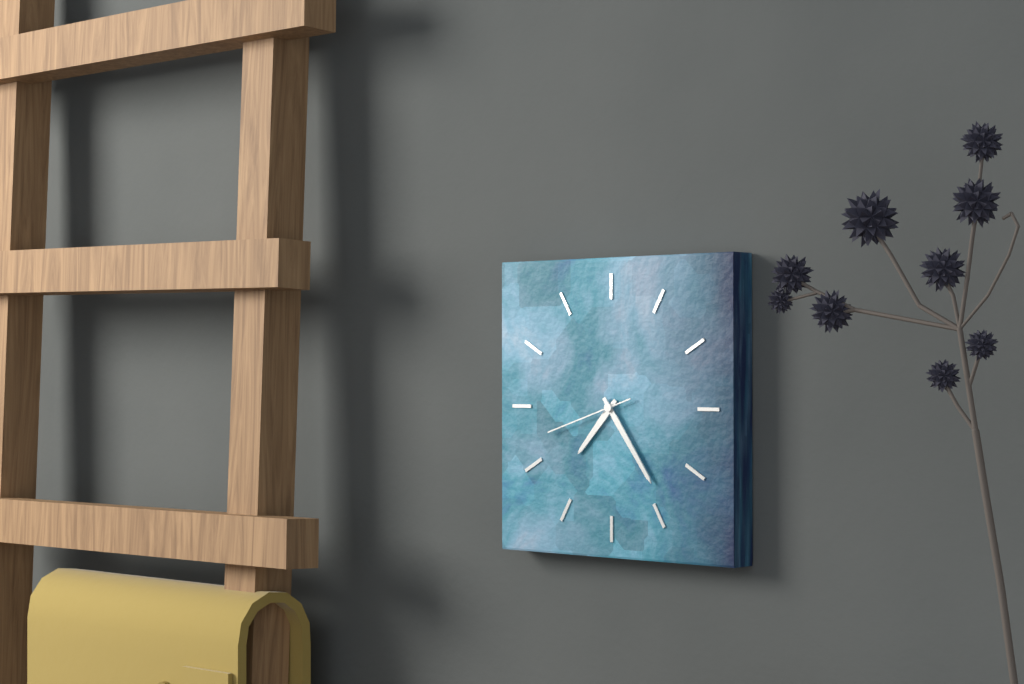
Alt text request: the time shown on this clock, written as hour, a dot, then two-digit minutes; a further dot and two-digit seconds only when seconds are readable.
7.24.42
